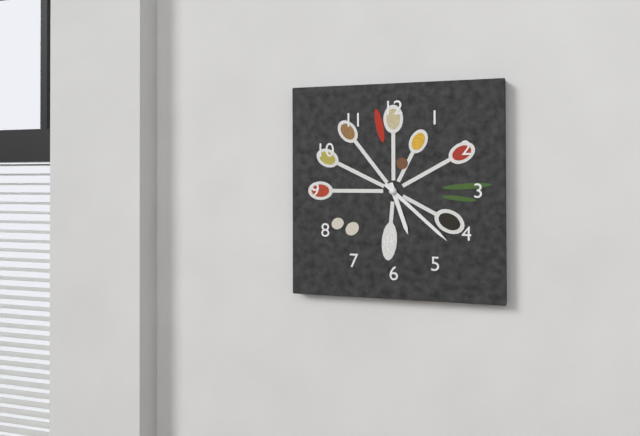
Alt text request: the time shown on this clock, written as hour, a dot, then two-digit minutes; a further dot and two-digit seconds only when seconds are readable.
5.22
